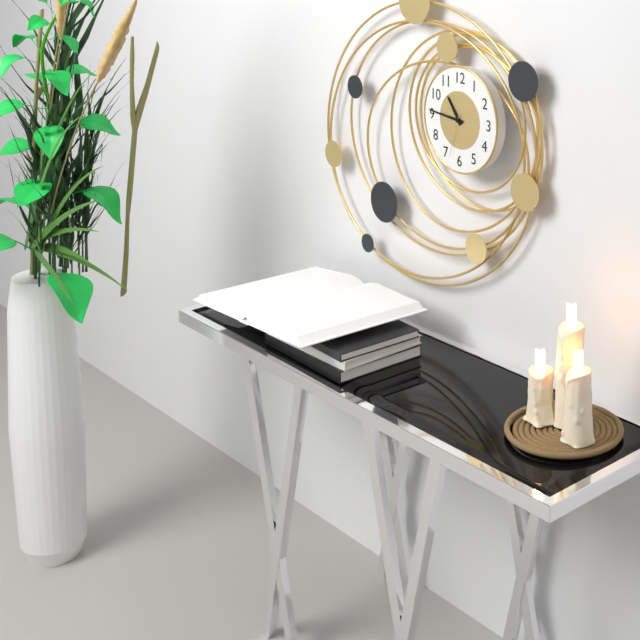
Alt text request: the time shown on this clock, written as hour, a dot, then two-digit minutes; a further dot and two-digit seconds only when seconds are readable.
10.46
